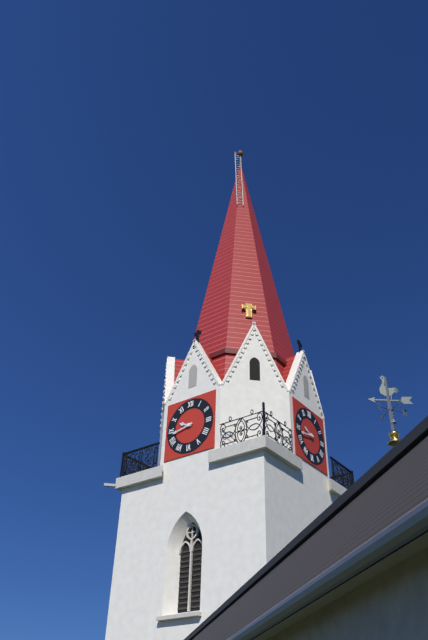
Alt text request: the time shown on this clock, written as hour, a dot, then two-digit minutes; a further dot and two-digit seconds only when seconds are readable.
9.43
